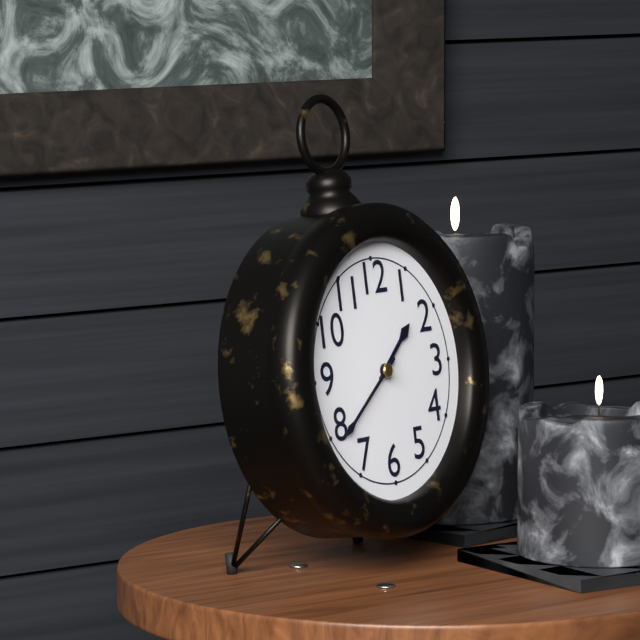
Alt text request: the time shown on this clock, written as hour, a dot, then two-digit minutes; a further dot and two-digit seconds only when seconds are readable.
1.39
